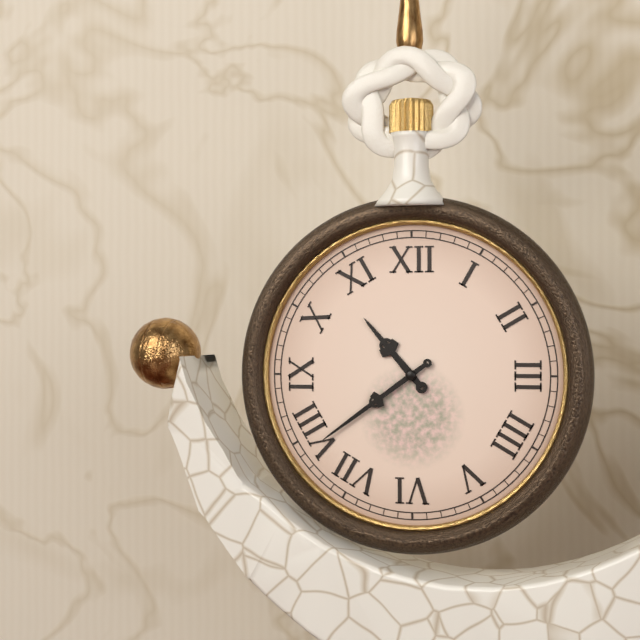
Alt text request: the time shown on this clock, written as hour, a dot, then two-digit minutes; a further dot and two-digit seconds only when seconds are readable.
10.39
